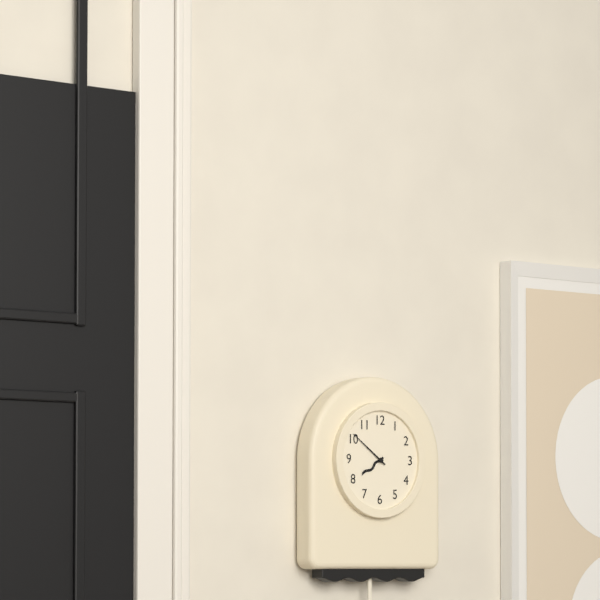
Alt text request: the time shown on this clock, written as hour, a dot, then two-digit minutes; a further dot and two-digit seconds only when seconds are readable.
7.51
